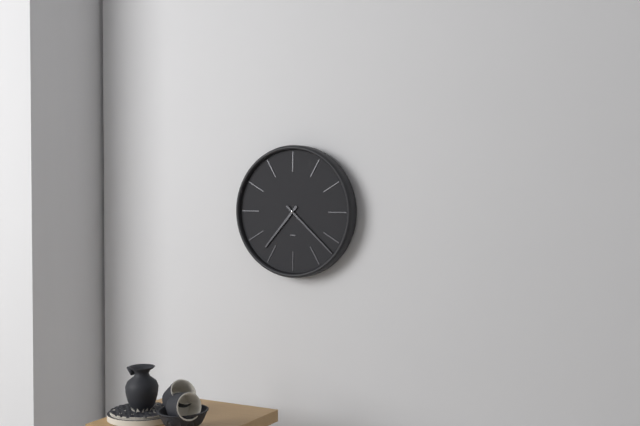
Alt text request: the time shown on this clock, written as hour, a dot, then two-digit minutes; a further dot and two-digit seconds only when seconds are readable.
7.22
